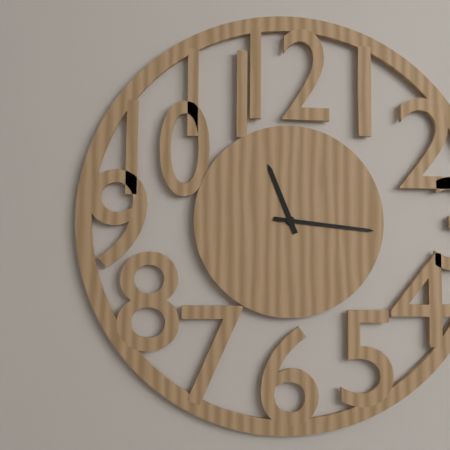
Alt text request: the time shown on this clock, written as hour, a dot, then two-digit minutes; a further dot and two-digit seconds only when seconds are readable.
11.16
